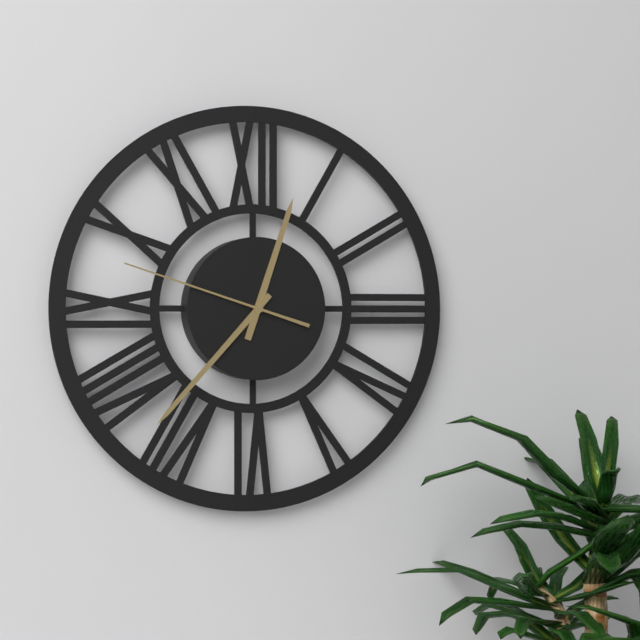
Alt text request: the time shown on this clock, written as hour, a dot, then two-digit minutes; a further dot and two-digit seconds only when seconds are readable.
12.37.48
